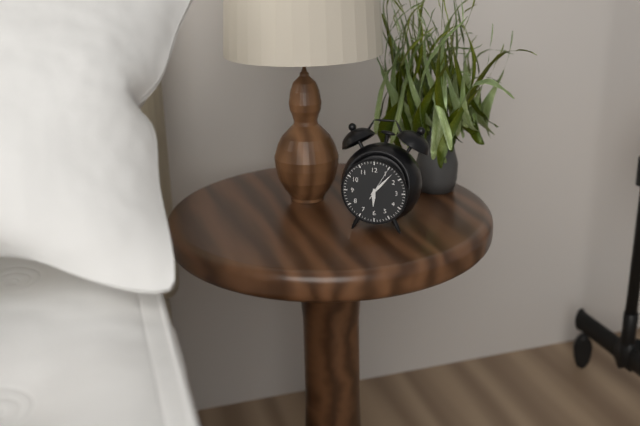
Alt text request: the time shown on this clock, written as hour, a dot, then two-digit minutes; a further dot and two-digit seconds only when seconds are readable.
6.07
